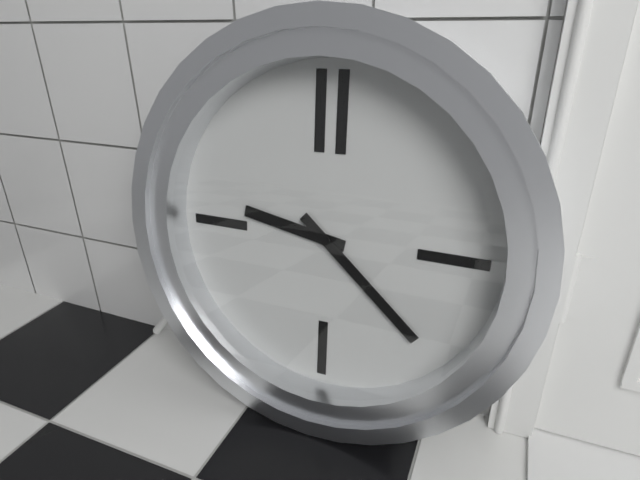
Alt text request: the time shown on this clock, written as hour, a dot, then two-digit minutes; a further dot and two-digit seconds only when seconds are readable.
9.22
